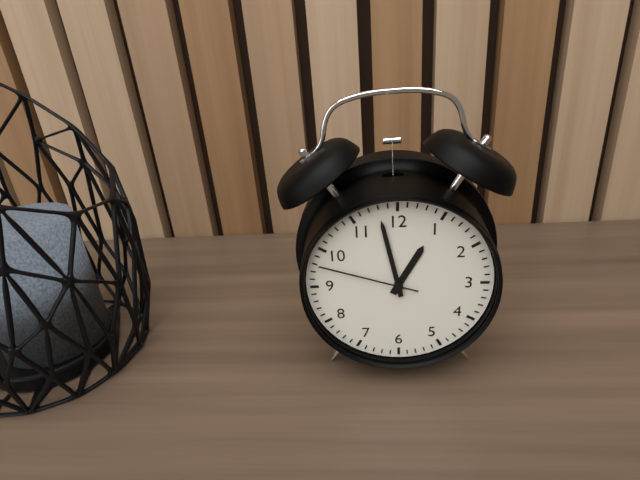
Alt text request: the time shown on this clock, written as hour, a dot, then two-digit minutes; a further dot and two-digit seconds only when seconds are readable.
12.58.48
